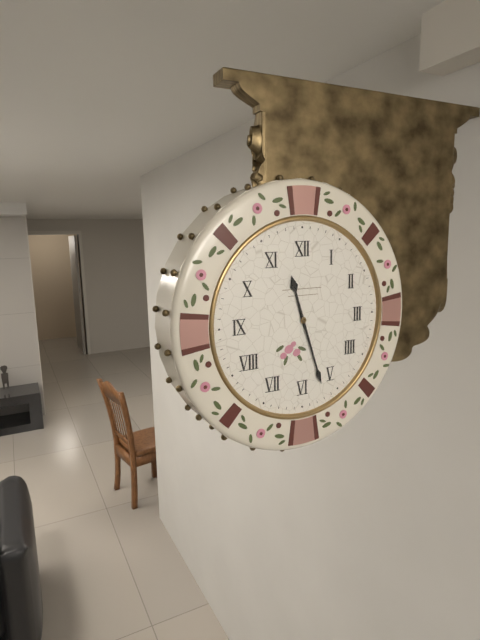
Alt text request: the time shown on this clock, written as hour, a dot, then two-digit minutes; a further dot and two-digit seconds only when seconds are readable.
11.27
